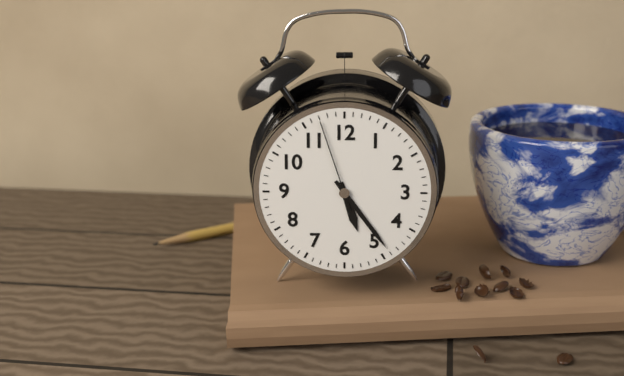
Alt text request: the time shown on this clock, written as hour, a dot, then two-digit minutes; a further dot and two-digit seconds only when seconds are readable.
5.24.57
